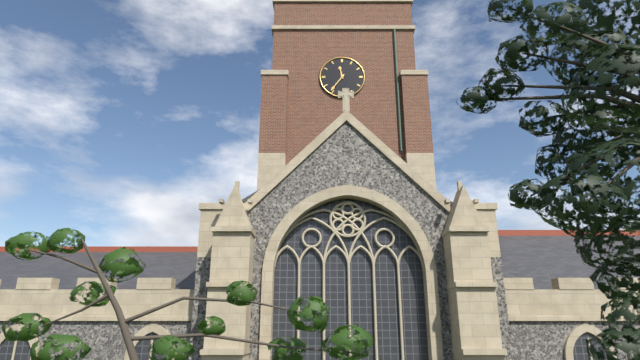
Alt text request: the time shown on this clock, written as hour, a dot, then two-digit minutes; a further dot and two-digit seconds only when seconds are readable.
11.36
